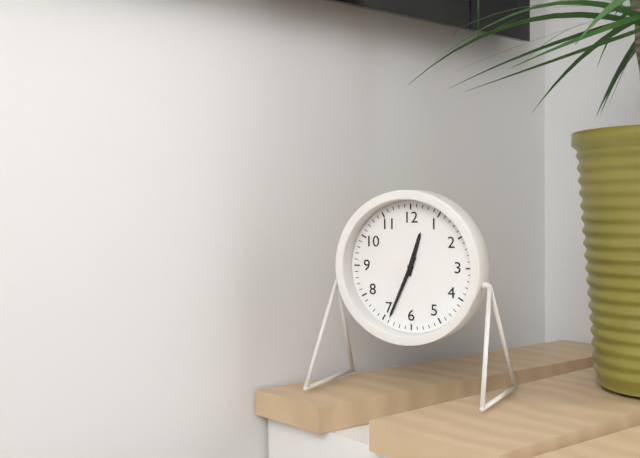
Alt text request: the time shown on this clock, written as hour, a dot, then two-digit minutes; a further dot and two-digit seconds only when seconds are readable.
12.34
